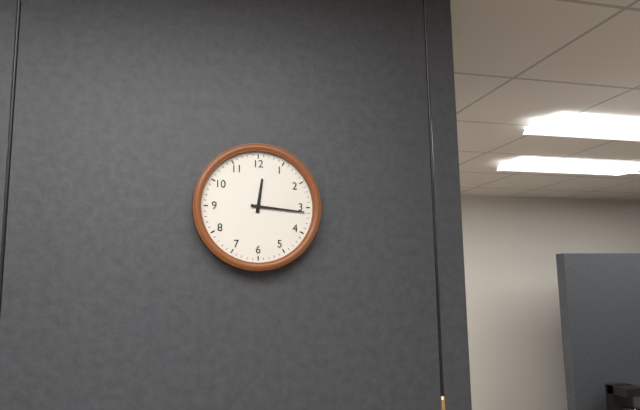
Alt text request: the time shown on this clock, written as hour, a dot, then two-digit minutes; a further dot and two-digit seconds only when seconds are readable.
12.16
